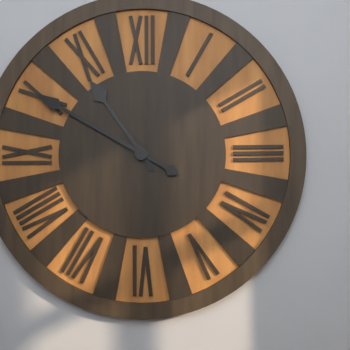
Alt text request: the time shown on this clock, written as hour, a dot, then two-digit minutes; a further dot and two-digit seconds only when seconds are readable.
10.50
